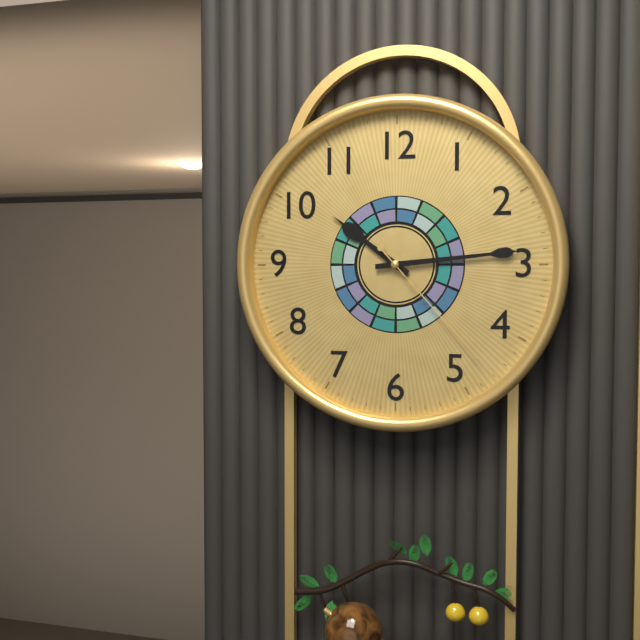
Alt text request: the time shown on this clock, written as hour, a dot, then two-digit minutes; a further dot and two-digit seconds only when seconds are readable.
10.14.23
